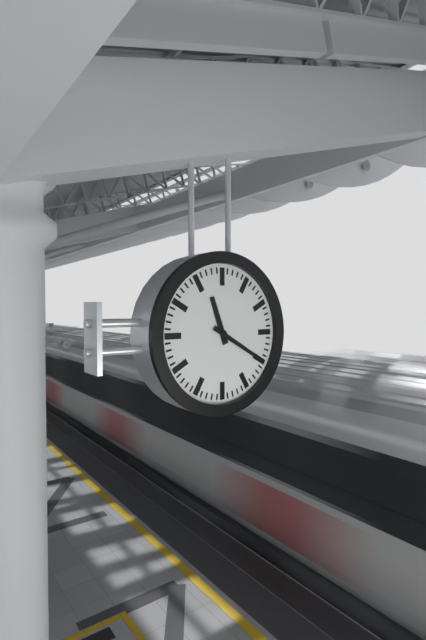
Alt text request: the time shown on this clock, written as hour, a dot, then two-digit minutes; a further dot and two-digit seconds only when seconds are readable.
11.20
